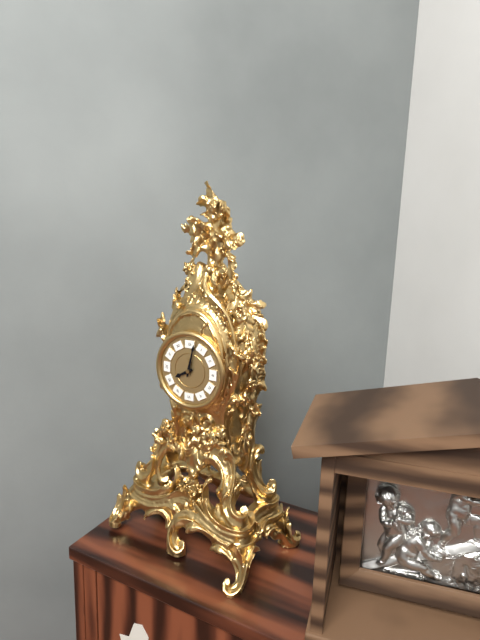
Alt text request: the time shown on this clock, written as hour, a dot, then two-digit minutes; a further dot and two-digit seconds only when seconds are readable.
8.02
